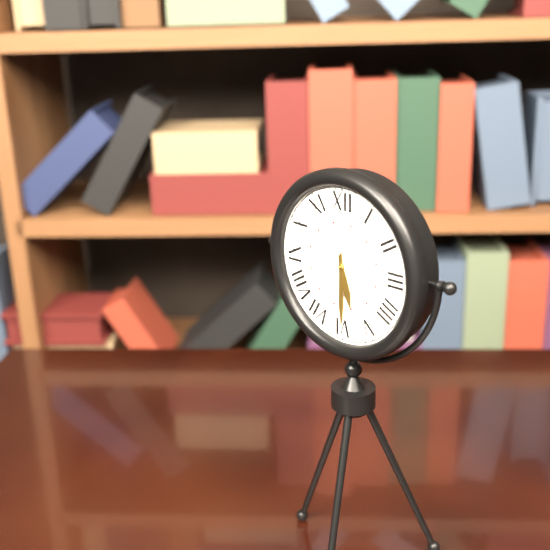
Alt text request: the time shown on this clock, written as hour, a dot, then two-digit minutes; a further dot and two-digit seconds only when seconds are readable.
5.30
